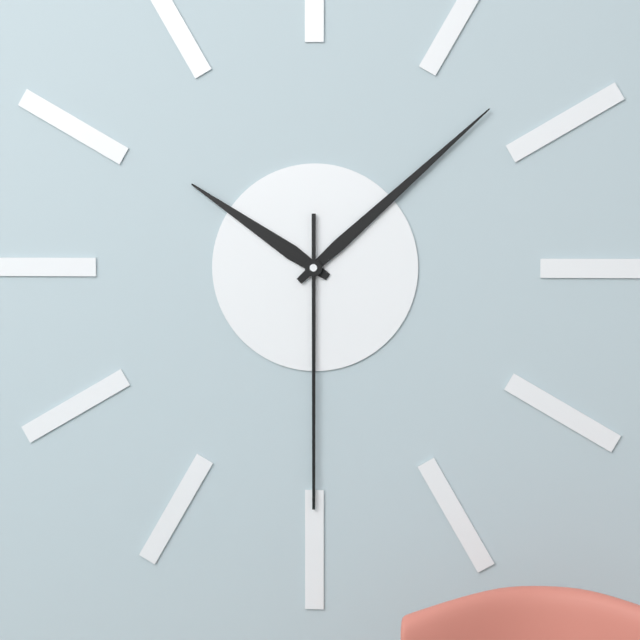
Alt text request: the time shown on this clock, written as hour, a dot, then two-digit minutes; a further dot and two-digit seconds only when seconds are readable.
10.08.30
